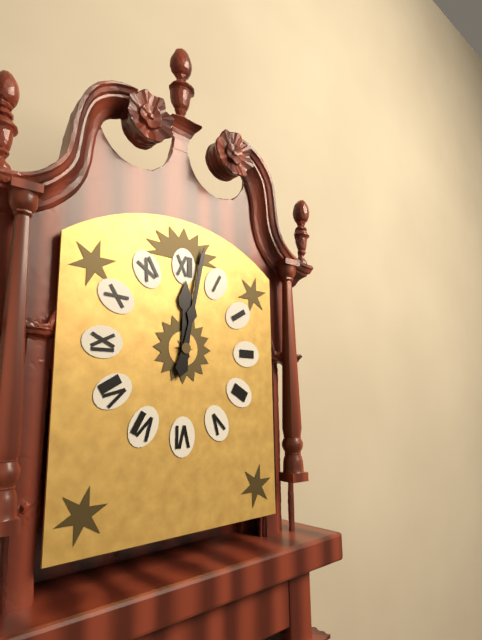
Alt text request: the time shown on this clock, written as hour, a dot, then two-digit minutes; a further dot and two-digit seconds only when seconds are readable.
12.02
